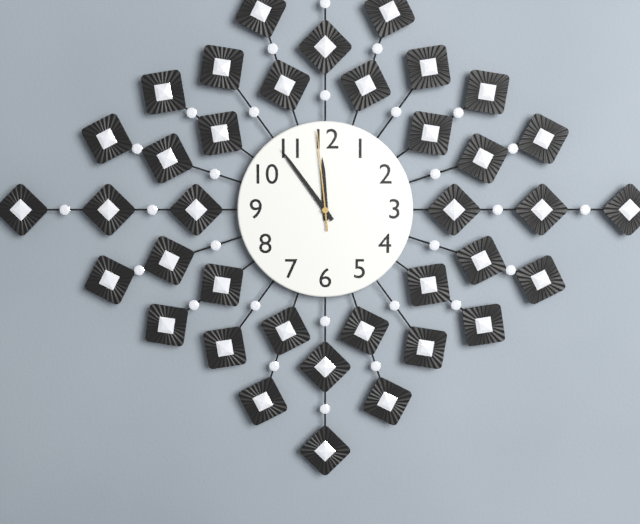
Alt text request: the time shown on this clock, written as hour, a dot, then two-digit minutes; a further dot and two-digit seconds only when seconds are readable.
11.54.59
